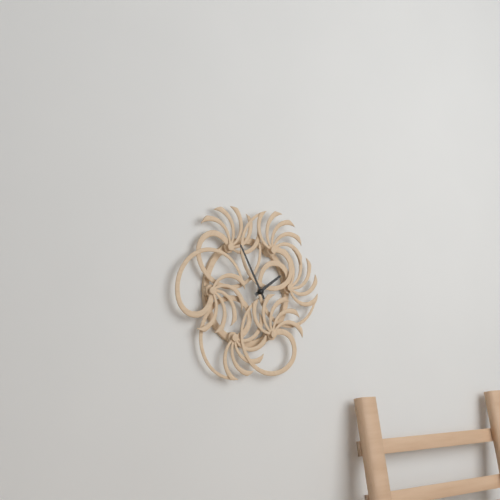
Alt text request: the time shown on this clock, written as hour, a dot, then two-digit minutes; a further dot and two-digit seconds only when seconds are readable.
1.55
